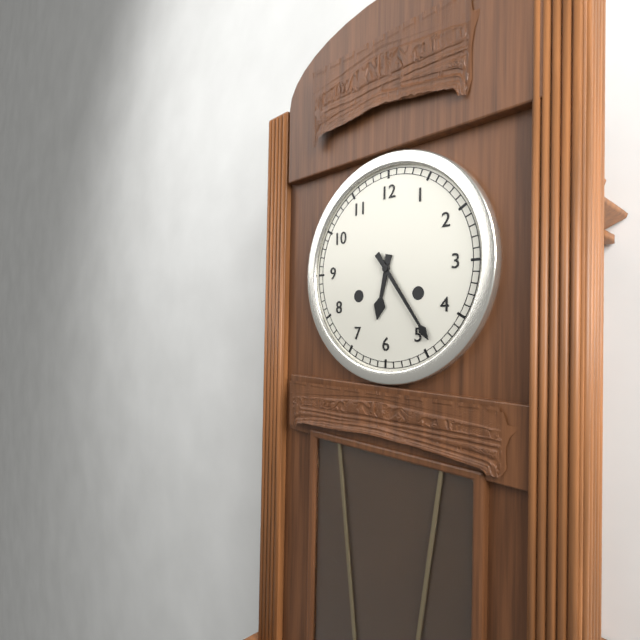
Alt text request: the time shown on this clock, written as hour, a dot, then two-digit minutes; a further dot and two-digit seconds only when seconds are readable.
6.24
